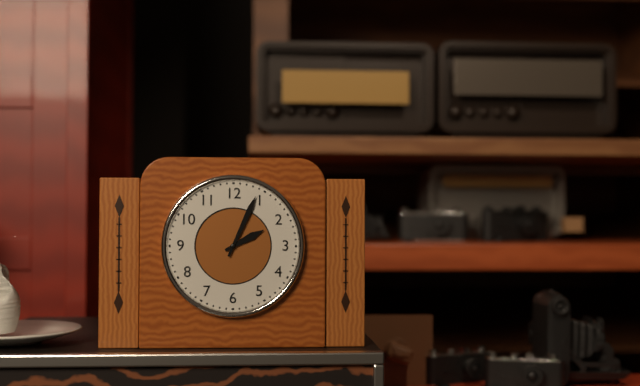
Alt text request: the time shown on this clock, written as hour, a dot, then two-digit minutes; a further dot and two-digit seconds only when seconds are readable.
2.04
